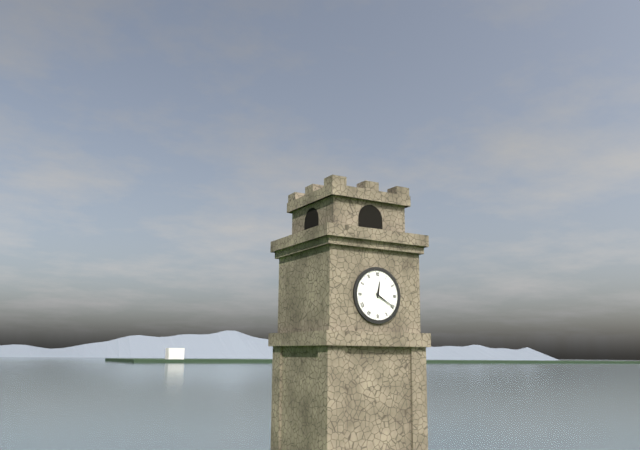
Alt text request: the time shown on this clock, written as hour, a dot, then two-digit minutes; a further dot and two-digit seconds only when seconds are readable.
12.20
